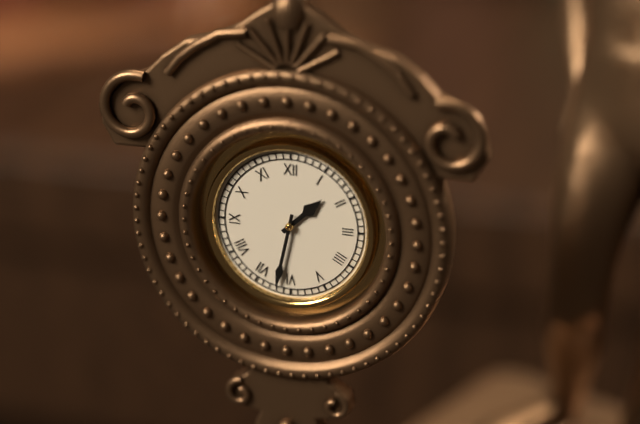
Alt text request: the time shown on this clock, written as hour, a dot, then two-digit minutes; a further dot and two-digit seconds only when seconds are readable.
1.32
